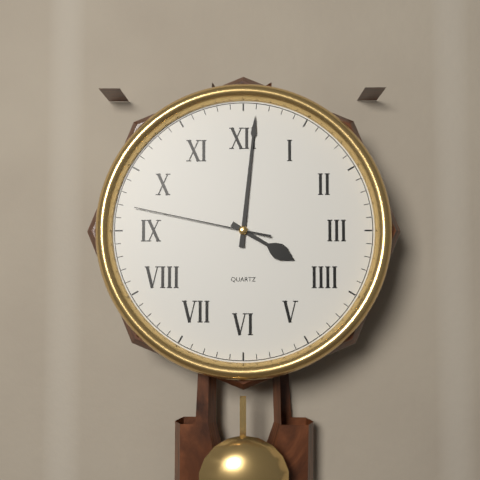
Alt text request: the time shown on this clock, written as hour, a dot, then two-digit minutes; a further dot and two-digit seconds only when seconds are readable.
4.01.47
